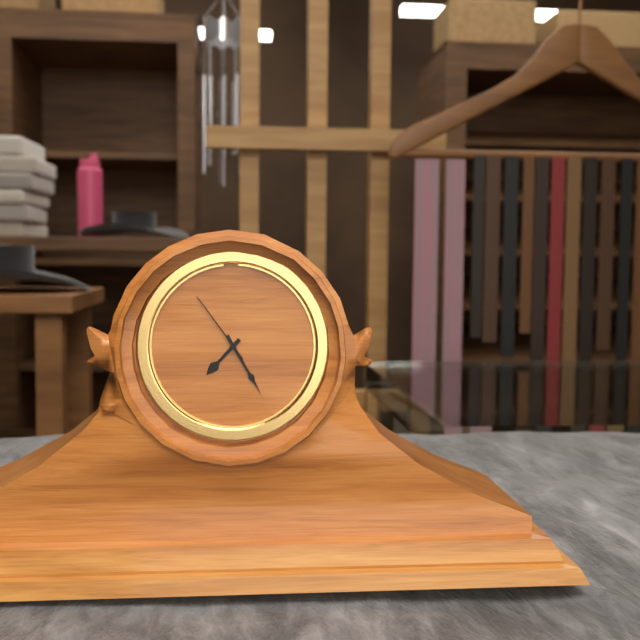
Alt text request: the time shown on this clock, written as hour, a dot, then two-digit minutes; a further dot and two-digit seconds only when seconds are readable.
7.25.54
